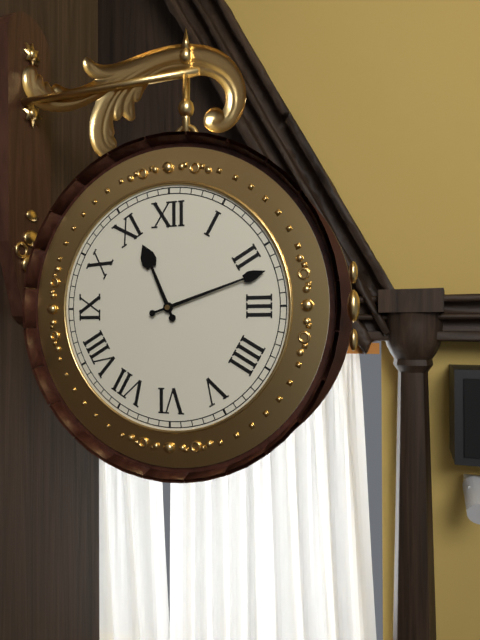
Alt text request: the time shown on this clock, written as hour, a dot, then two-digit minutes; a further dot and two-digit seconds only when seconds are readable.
11.12
